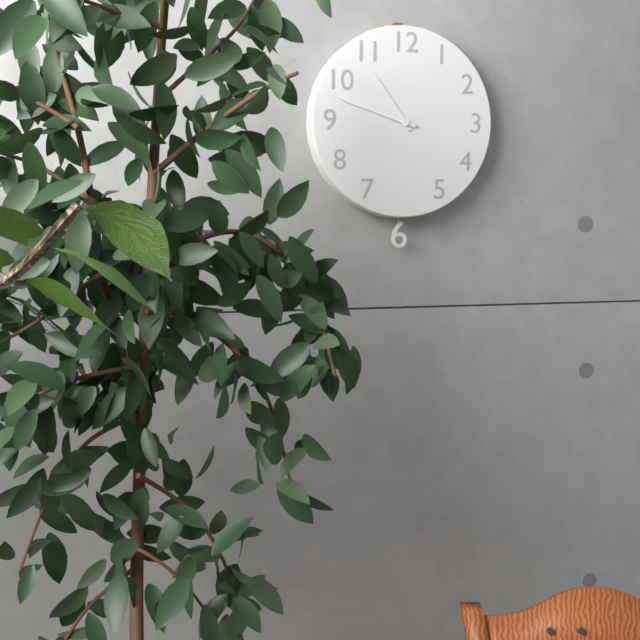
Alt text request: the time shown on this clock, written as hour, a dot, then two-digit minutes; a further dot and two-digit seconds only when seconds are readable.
10.48
